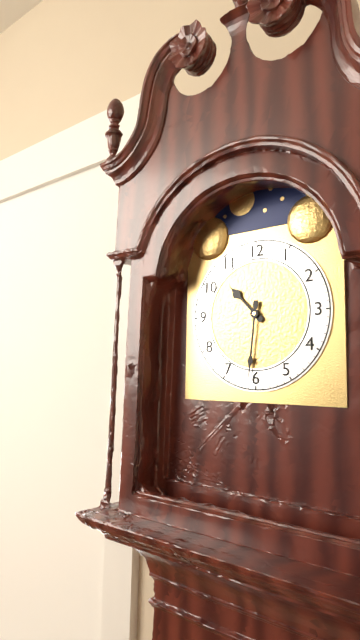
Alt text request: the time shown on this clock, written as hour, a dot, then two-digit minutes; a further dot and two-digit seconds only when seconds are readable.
10.31
